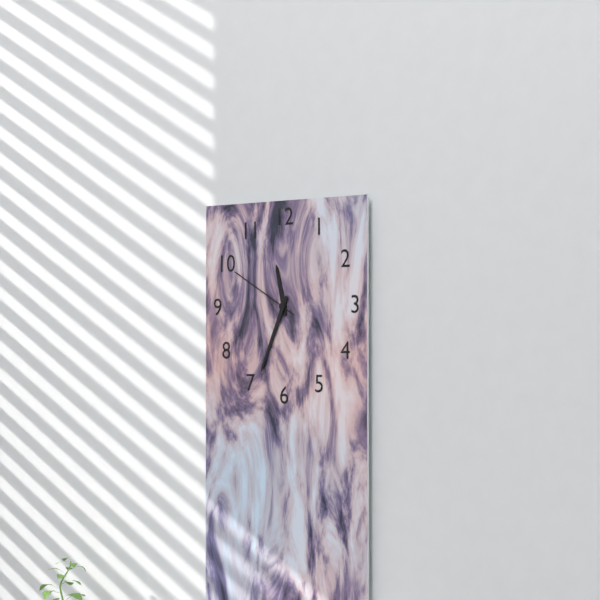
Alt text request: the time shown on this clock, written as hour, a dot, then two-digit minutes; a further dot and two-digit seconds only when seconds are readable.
11.34.50
